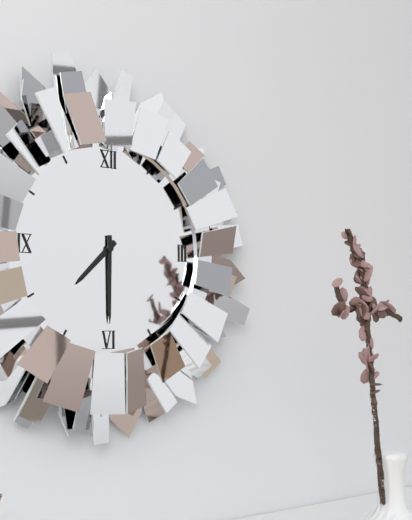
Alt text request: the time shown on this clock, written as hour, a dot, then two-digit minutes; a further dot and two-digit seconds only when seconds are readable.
7.30
